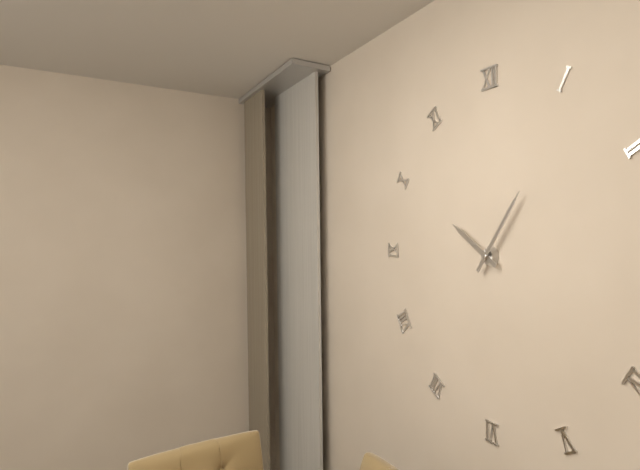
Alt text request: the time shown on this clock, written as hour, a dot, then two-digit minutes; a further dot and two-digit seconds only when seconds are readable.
10.06
